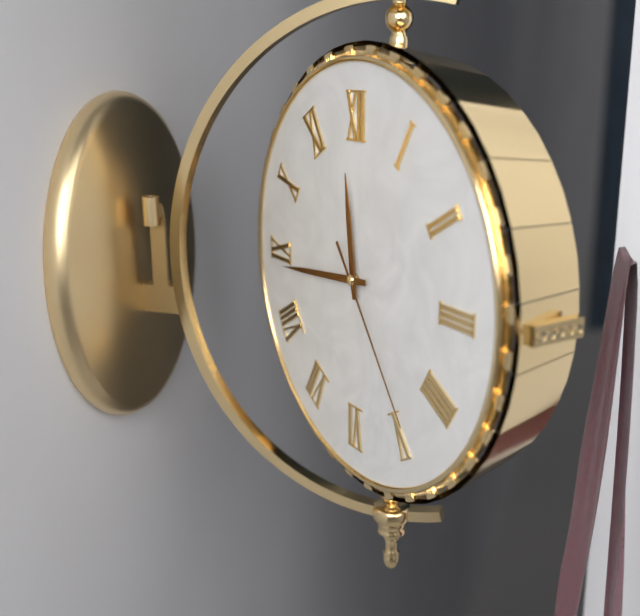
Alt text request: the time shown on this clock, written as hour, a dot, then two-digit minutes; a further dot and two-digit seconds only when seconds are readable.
11.44.24
